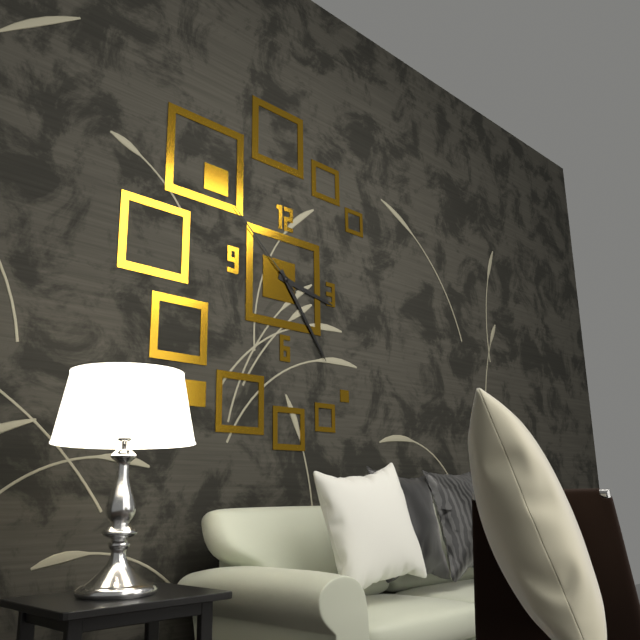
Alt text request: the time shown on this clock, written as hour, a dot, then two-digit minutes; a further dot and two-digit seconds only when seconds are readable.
3.24.52
